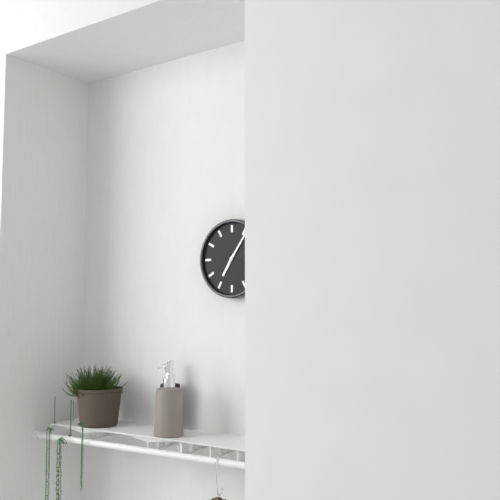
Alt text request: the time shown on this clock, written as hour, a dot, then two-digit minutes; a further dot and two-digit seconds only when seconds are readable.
7.06
